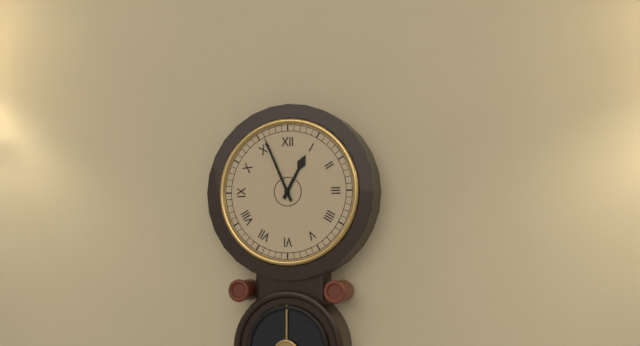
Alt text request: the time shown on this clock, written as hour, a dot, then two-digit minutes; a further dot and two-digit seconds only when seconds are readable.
12.56
